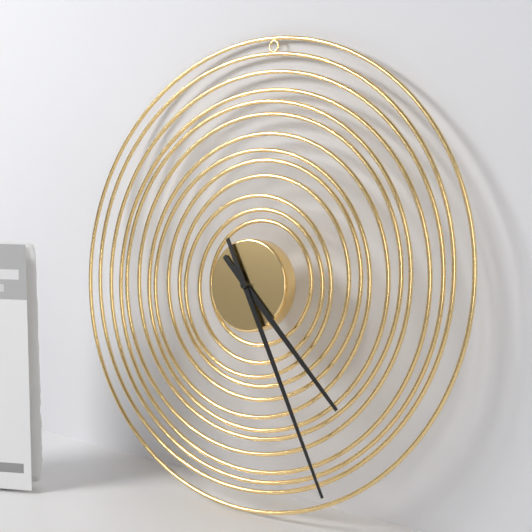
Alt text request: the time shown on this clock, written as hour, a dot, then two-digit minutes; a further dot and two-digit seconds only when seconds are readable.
4.25
